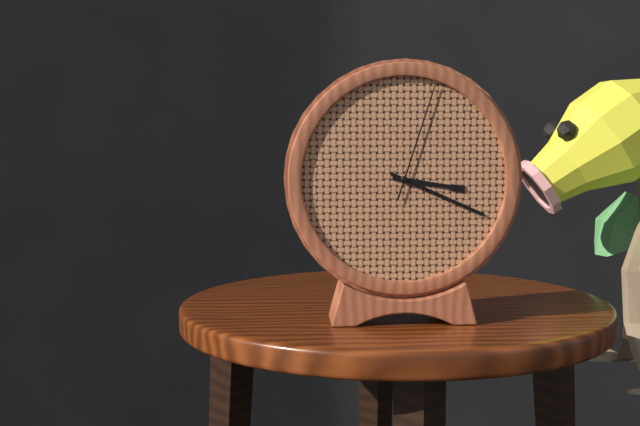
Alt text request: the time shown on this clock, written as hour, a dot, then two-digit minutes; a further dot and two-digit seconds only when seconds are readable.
3.19.03
